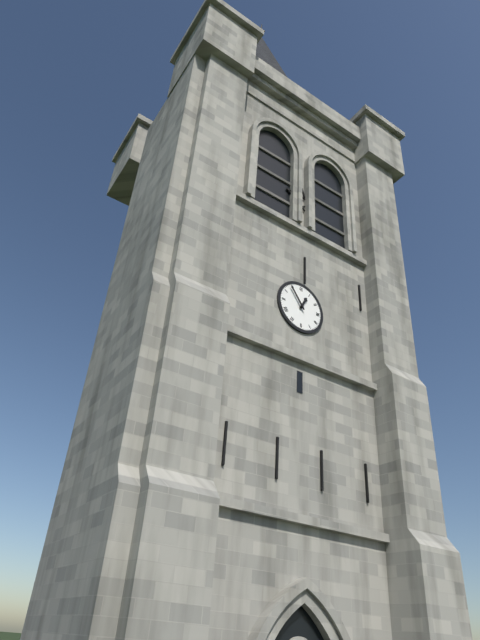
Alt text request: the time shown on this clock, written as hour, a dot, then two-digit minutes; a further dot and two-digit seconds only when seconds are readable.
12.54
